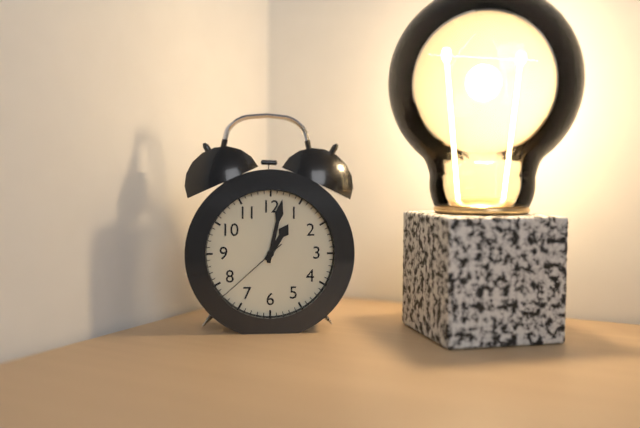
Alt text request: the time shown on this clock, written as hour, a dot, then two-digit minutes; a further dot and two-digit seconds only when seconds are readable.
1.02.38
